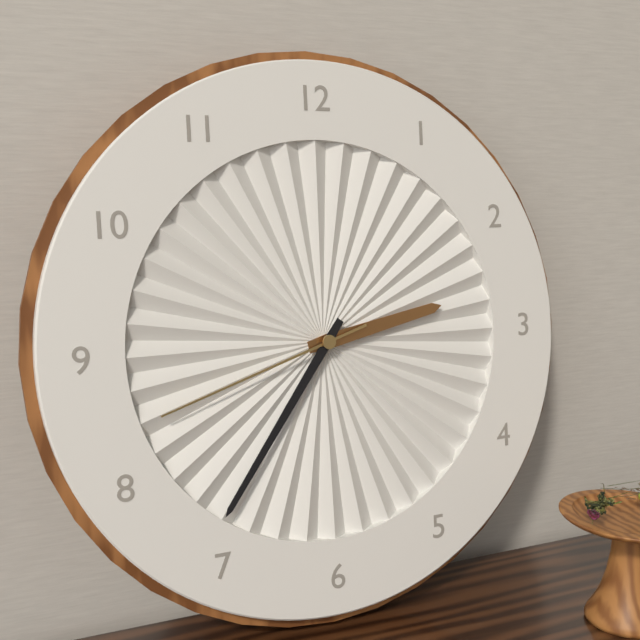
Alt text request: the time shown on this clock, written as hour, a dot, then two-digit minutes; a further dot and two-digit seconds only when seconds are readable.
2.36.42
